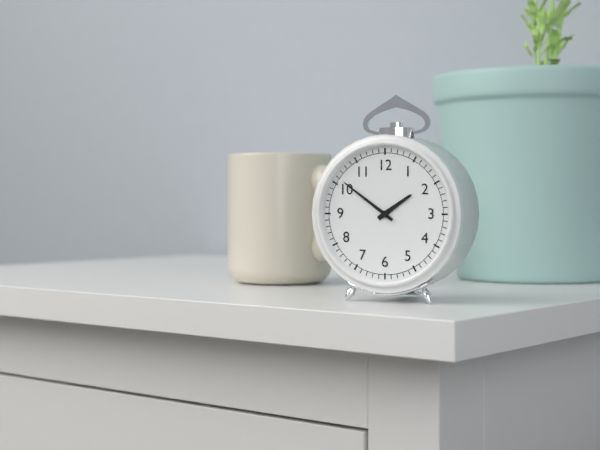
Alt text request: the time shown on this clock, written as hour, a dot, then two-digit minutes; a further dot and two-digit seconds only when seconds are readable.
1.51
